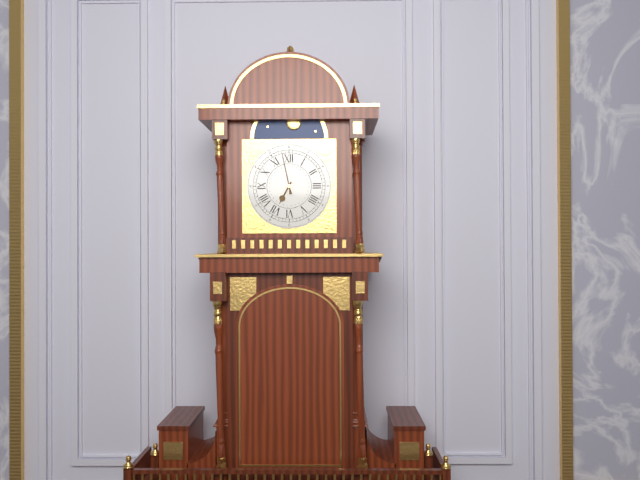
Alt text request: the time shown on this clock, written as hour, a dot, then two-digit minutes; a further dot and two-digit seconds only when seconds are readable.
6.58
